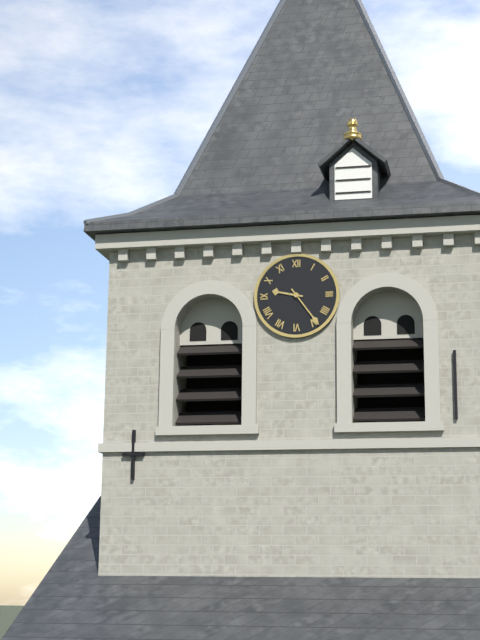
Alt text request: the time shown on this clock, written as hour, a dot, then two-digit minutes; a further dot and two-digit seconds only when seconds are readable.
9.24
